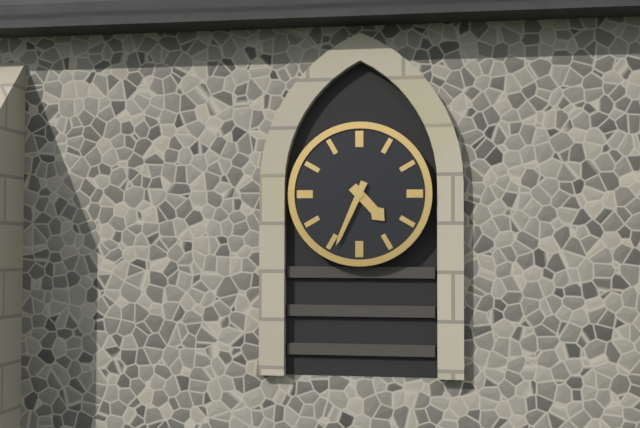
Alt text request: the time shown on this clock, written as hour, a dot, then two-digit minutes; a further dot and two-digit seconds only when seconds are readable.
4.34
